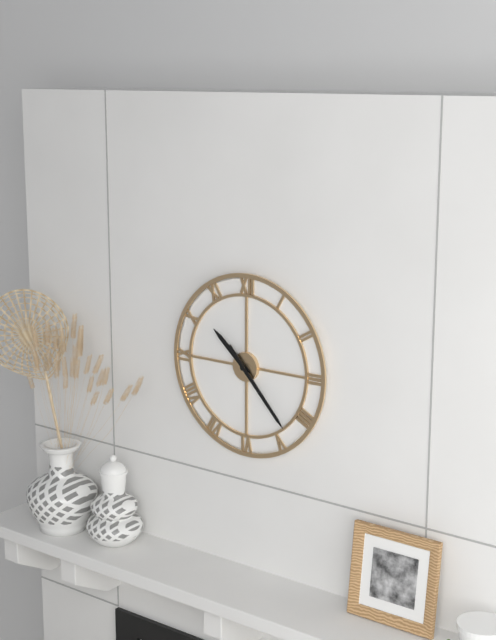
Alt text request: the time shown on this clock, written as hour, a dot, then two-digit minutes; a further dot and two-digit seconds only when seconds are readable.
10.23
